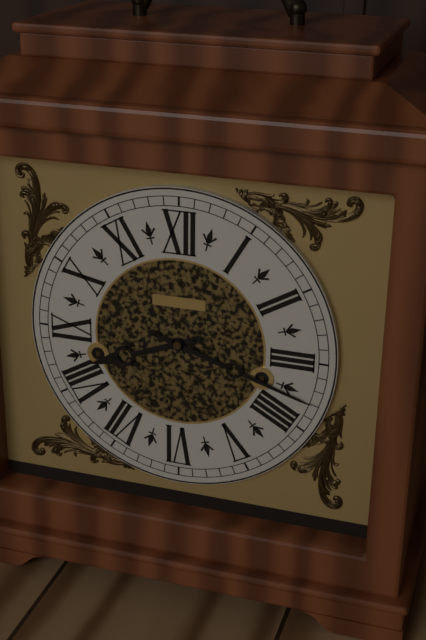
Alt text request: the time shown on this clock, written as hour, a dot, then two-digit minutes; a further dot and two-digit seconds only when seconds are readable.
8.18
